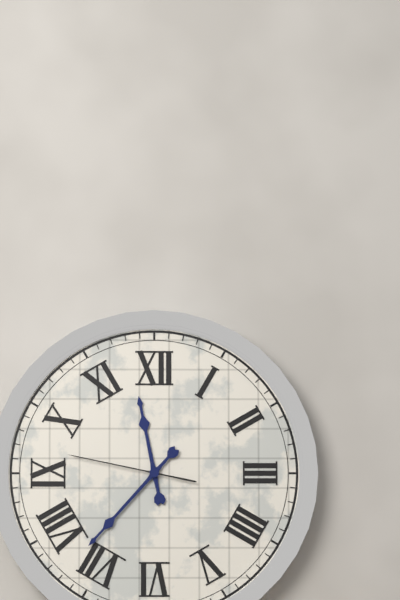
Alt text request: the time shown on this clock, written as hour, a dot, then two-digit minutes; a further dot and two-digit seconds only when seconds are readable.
11.37.47
